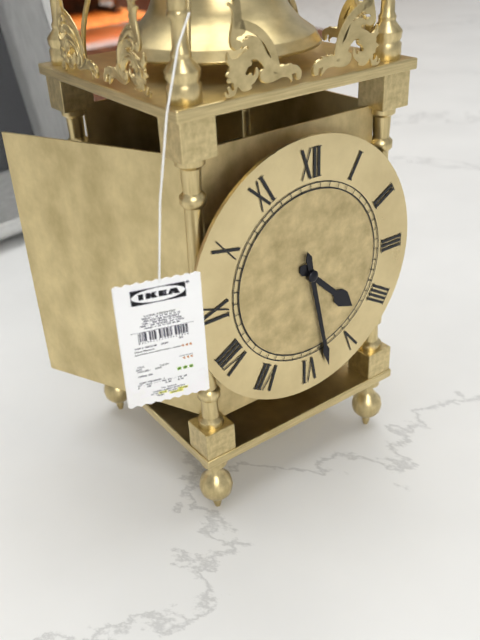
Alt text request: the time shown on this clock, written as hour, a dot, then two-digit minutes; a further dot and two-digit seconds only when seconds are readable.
4.28
